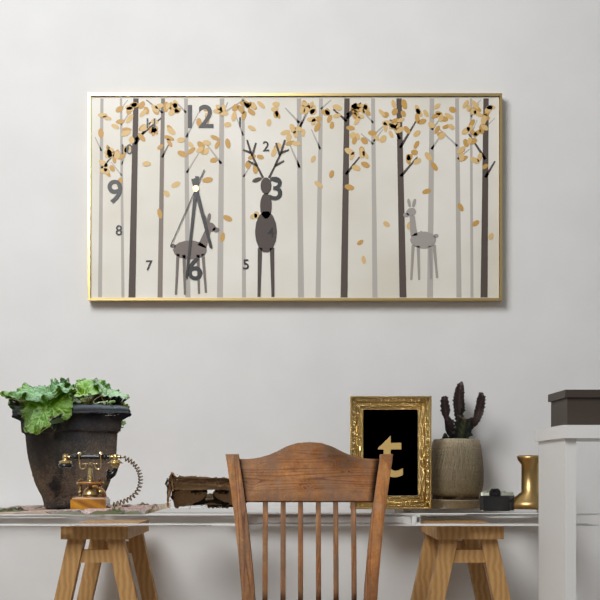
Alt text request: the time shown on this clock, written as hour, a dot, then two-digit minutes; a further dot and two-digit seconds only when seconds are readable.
5.31.34
